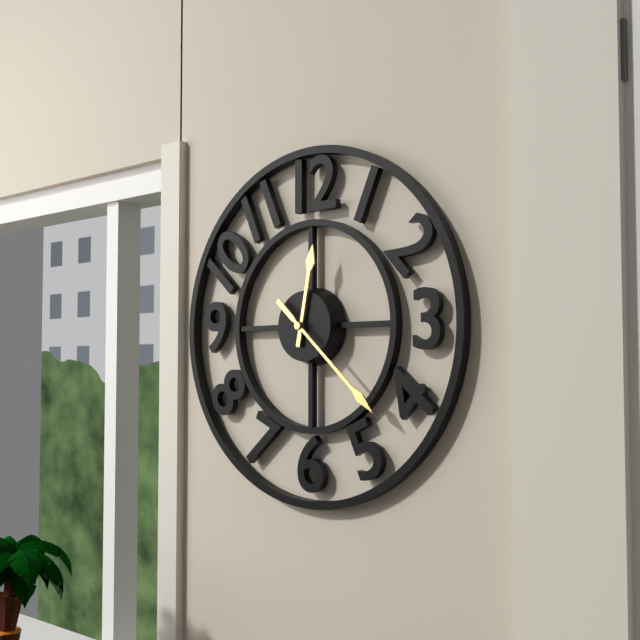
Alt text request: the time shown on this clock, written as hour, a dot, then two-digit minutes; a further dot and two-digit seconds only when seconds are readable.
12.22
